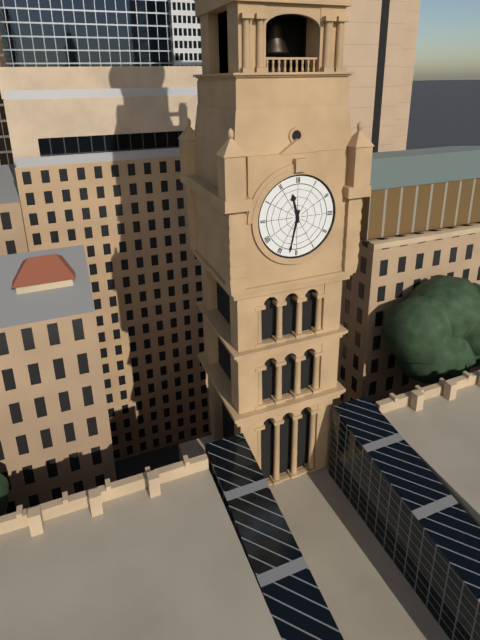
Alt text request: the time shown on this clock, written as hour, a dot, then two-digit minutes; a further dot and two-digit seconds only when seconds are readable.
11.32
